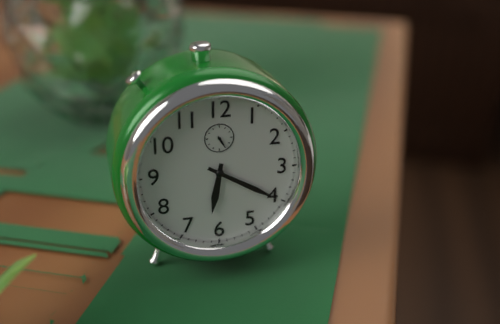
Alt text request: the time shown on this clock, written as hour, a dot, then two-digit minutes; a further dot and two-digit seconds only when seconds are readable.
6.20
